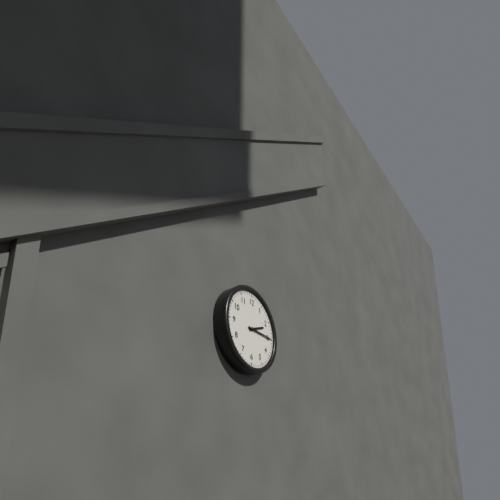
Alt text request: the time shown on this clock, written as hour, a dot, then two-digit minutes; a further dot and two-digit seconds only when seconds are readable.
2.15
